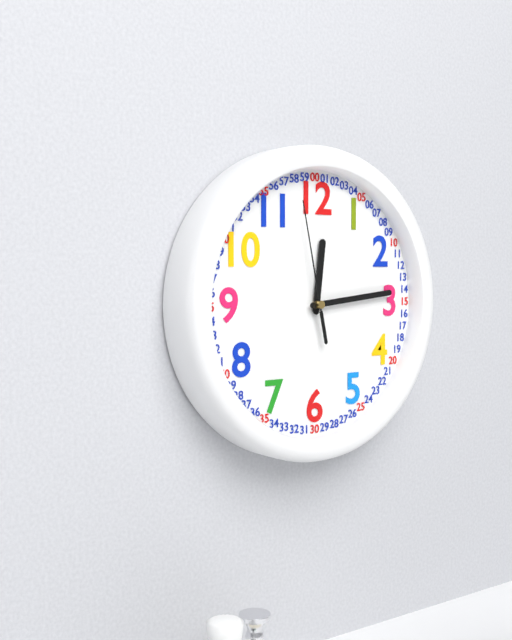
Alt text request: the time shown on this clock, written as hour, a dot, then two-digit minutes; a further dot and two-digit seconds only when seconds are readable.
12.14.58
